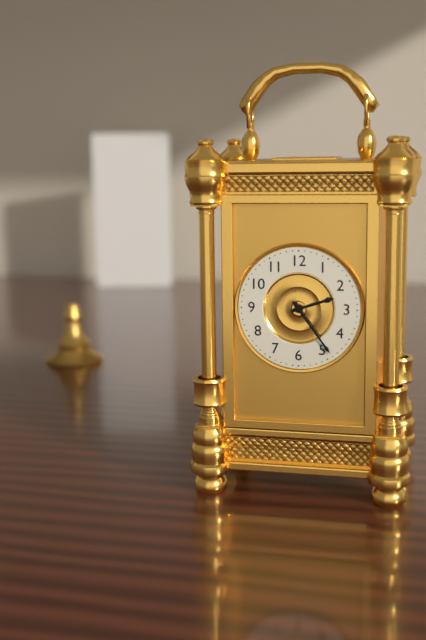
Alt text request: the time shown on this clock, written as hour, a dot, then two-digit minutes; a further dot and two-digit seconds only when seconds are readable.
2.24
